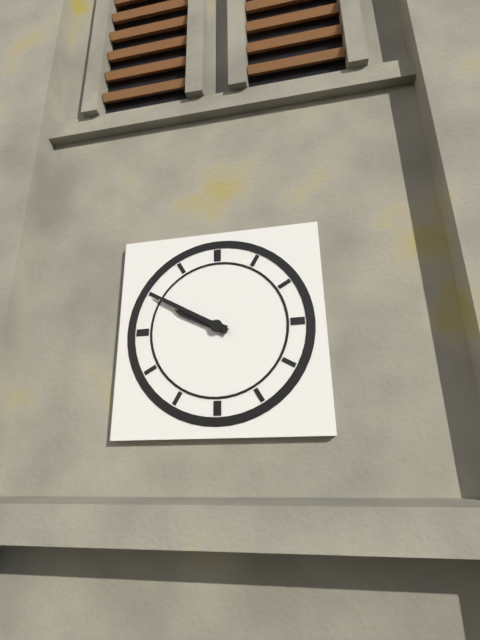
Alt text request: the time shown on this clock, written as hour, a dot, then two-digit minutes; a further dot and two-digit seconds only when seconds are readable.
9.50
